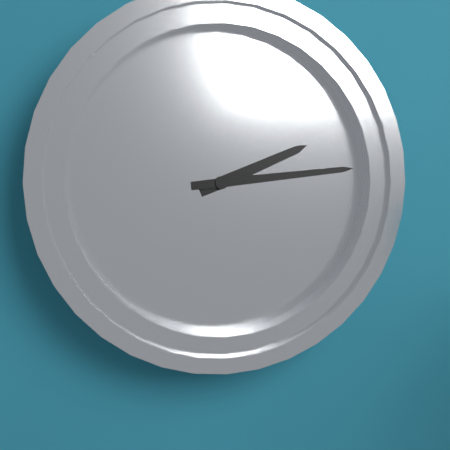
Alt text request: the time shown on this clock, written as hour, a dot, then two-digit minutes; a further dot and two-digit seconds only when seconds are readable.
2.14
